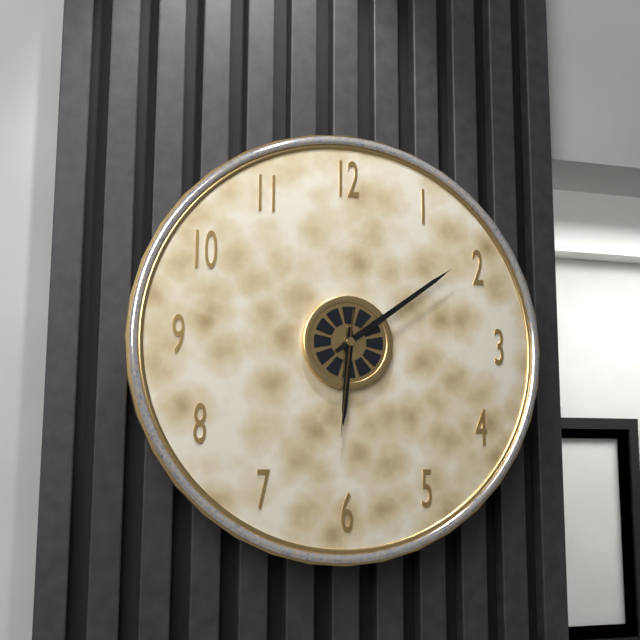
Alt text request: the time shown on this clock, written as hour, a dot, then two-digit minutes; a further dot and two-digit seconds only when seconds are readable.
6.09.31
